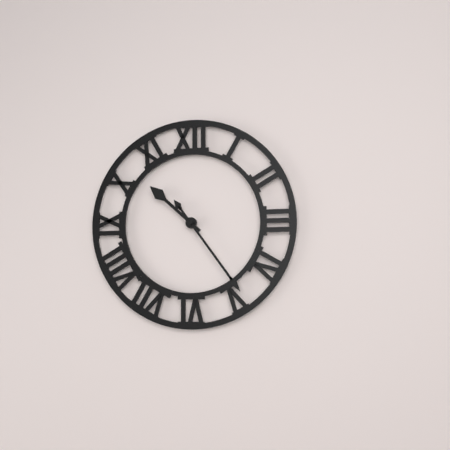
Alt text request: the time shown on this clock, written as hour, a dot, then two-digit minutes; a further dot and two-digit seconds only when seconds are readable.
10.24
